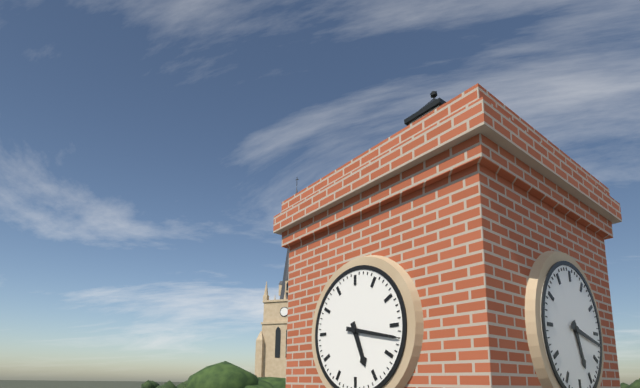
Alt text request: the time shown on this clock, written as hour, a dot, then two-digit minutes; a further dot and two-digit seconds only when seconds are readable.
5.17
